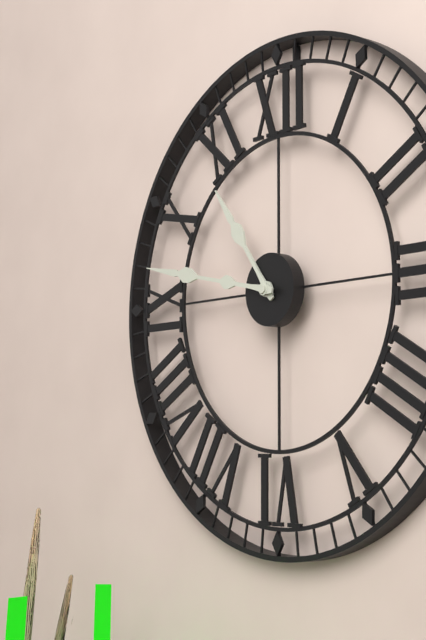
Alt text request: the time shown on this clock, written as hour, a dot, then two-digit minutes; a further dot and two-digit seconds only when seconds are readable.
10.47
